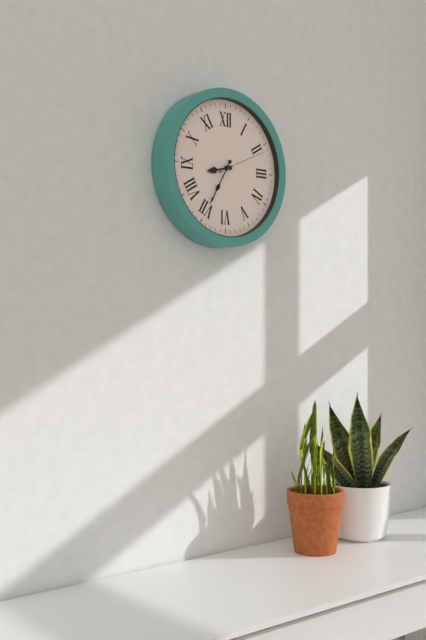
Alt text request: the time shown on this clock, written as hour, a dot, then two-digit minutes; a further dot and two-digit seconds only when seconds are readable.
8.35.11
